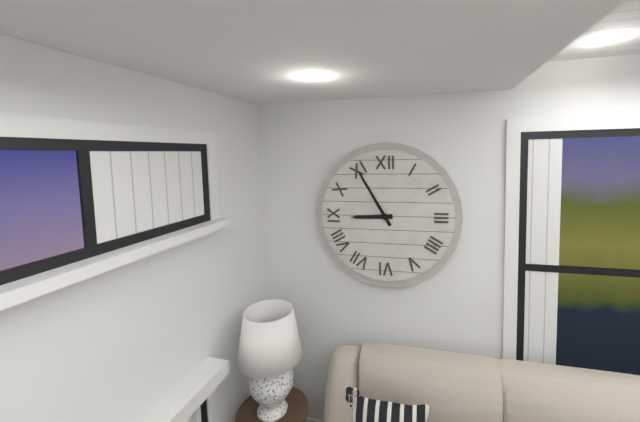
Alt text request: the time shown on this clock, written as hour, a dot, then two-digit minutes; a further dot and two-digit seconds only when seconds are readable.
8.55
